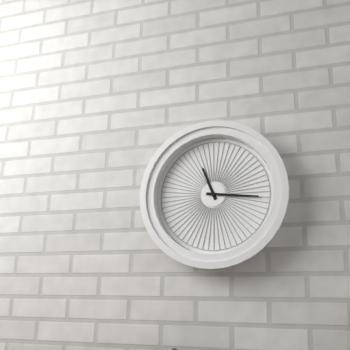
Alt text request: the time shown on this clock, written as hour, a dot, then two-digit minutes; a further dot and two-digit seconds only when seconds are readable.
11.16
